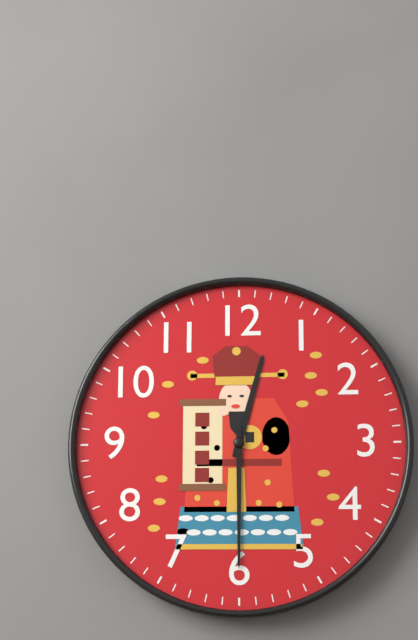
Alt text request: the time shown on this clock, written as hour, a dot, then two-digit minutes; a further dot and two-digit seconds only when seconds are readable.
12.30
